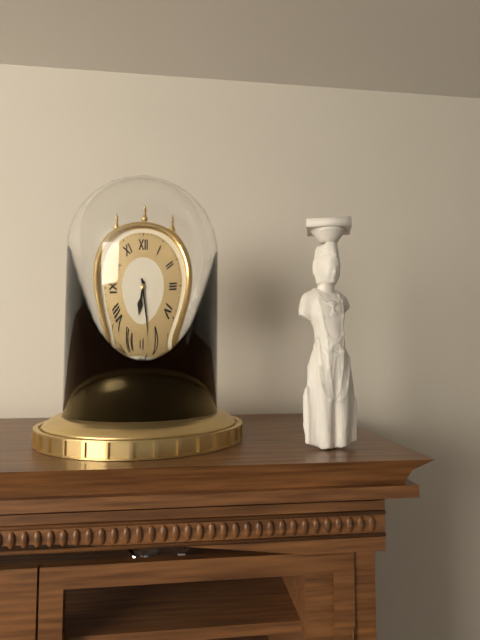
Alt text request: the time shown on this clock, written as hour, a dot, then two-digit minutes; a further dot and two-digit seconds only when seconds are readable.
6.28
